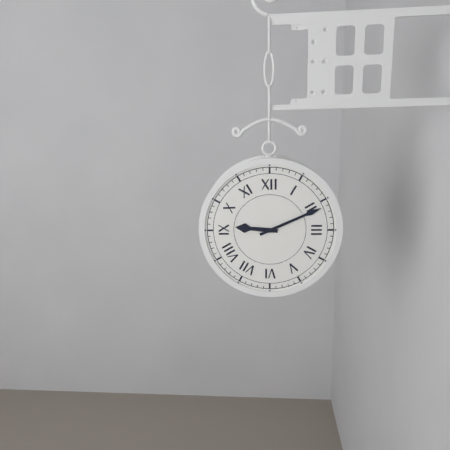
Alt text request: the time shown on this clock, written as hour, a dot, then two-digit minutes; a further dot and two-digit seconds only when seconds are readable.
9.11
